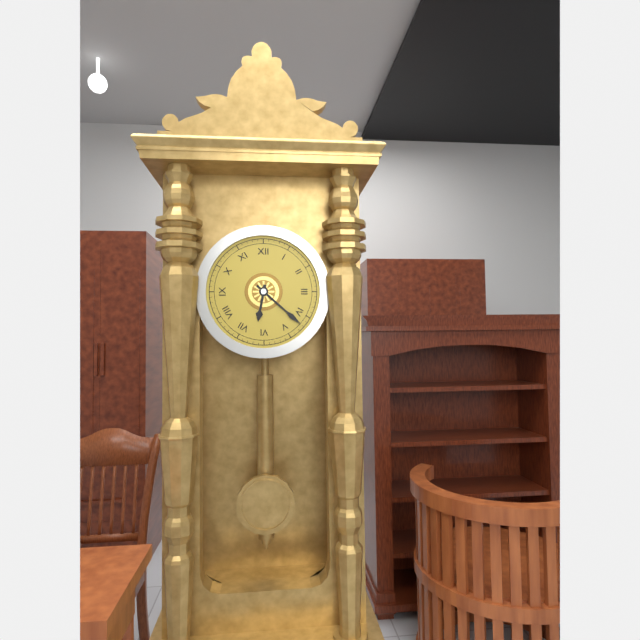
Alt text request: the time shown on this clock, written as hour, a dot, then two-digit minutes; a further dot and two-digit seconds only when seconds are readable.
6.22
